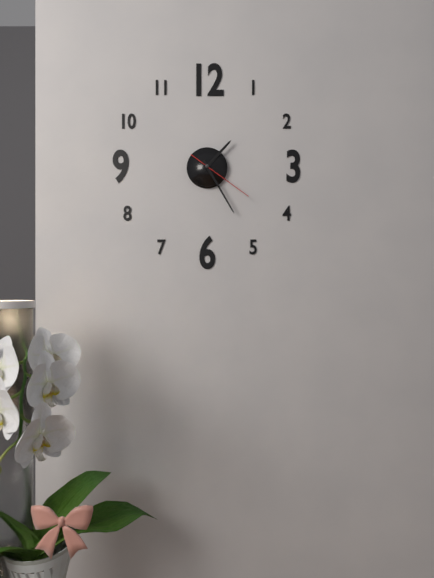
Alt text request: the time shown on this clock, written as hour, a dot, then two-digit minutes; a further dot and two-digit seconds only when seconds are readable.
1.25.21
